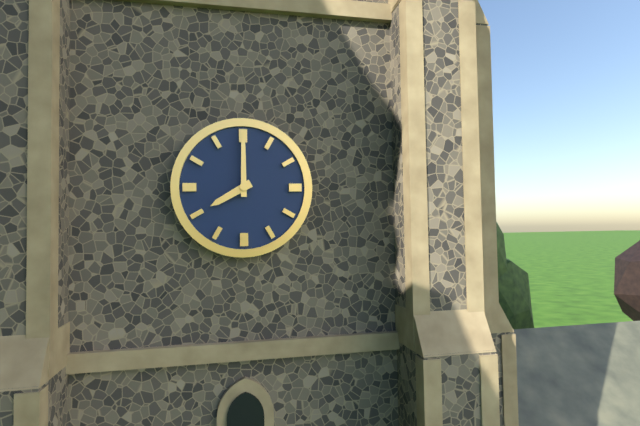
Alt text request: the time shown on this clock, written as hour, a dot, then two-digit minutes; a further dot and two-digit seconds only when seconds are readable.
8.00
